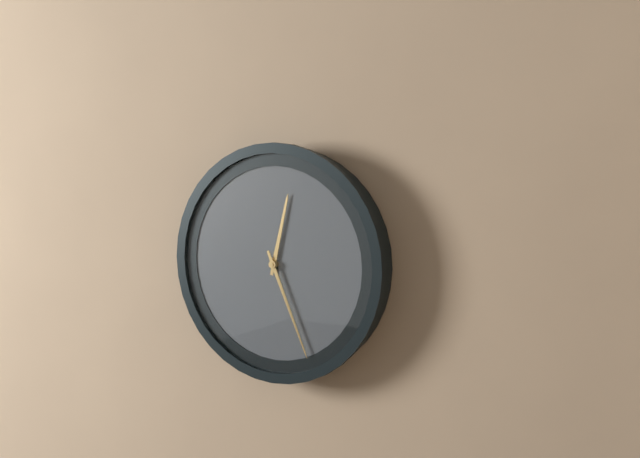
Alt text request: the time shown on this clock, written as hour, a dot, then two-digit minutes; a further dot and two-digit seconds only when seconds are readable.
12.26
